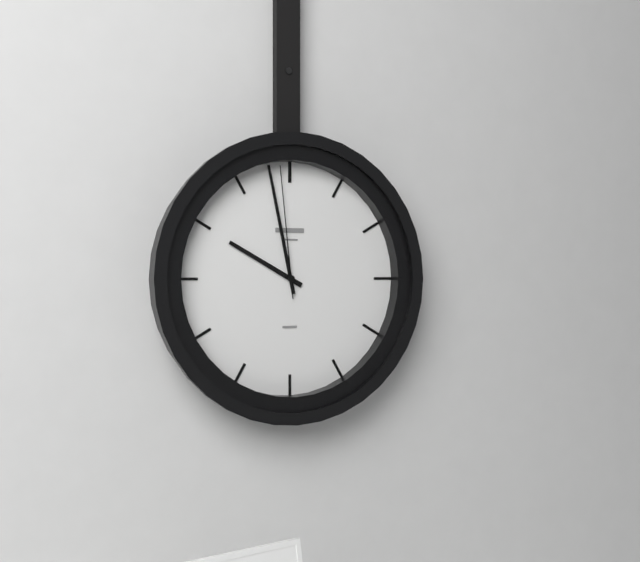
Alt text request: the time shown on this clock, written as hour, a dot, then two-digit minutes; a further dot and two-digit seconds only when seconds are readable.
9.58.59
